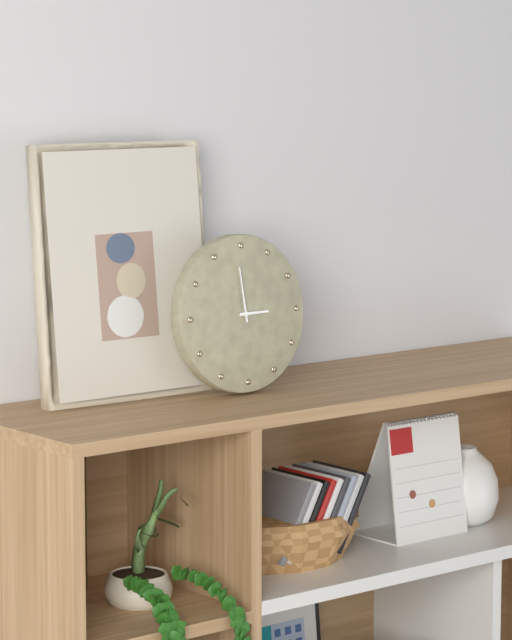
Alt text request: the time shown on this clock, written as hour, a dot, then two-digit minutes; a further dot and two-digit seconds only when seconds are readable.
2.59
